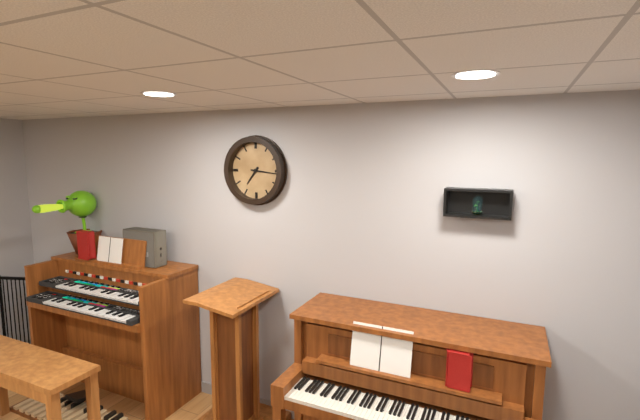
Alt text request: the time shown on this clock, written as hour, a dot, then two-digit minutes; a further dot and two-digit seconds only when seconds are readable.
7.16
